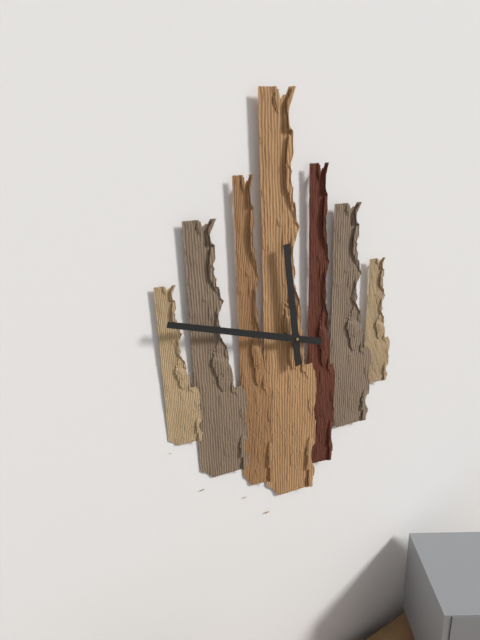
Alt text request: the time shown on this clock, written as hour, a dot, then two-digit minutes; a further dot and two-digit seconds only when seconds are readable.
11.48
